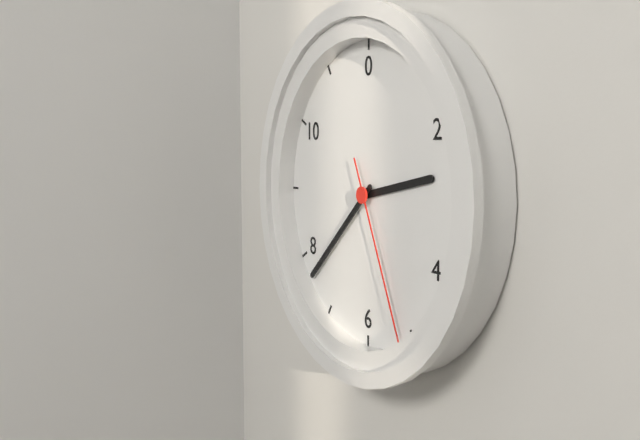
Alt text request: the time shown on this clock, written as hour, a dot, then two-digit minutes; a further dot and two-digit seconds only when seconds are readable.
2.38.26
